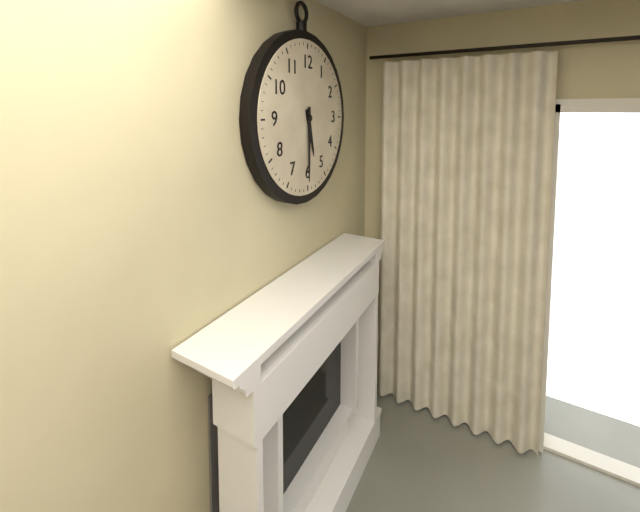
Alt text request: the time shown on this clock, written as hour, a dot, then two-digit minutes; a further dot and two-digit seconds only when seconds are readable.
5.30
